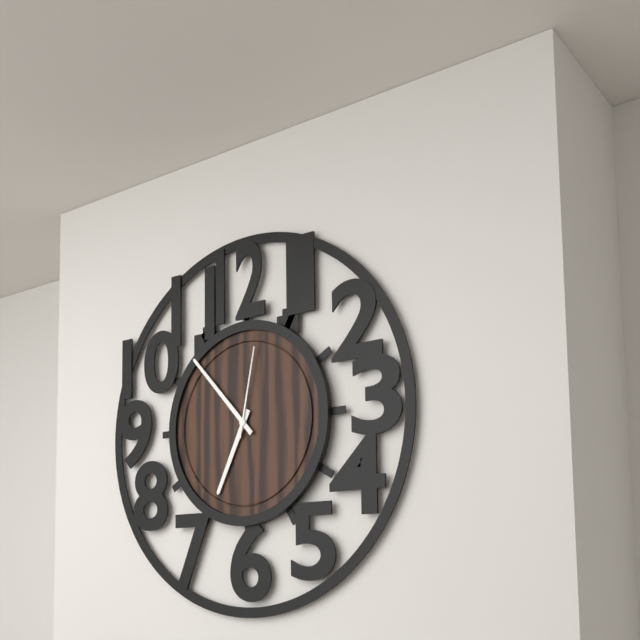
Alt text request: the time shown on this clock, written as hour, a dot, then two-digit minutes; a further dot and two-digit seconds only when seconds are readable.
6.53.02
